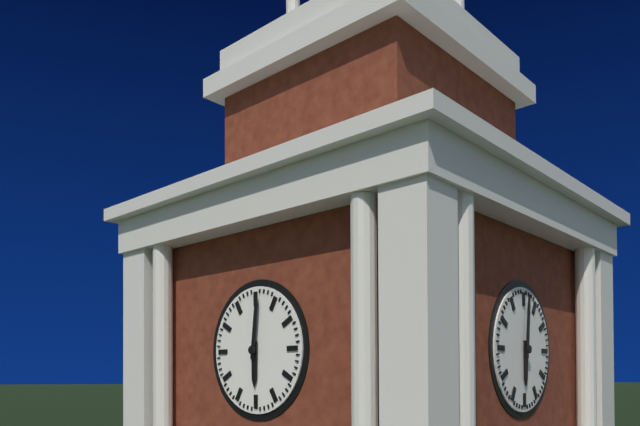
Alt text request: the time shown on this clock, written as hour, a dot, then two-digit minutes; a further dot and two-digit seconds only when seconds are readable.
6.01
